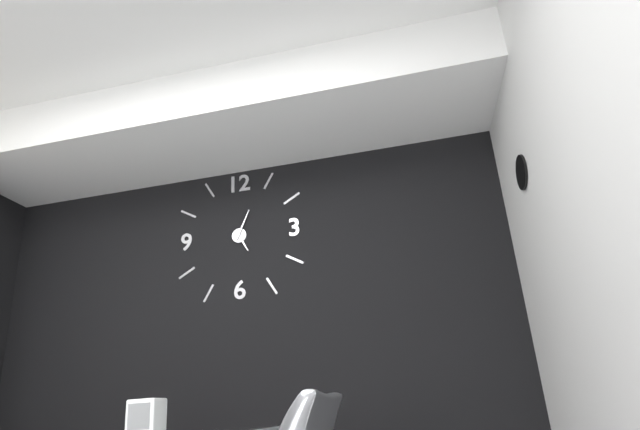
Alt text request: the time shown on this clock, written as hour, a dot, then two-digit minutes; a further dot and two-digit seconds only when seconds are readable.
5.04
